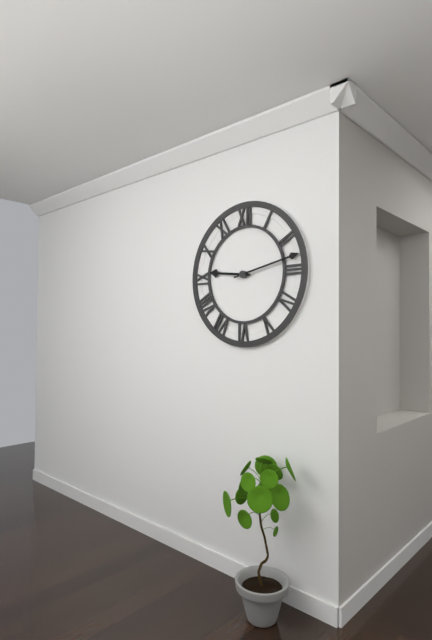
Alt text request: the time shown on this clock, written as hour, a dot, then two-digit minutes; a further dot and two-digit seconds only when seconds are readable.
9.13
